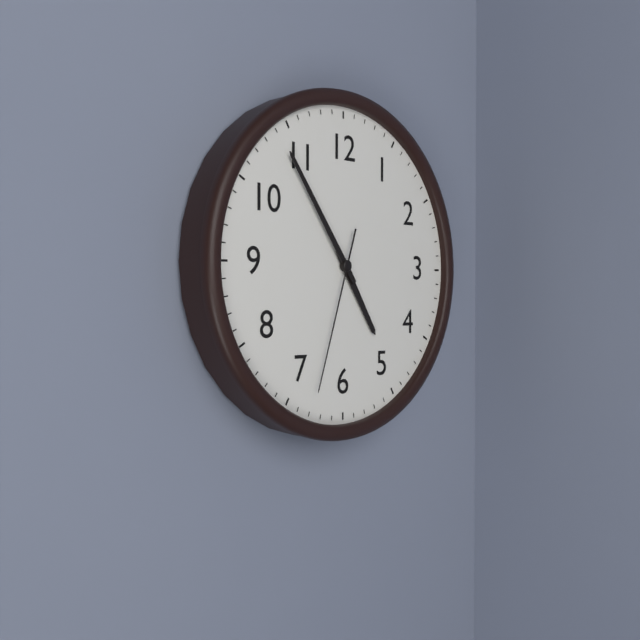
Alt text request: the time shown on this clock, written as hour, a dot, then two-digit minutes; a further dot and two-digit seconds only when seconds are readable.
4.54.33
